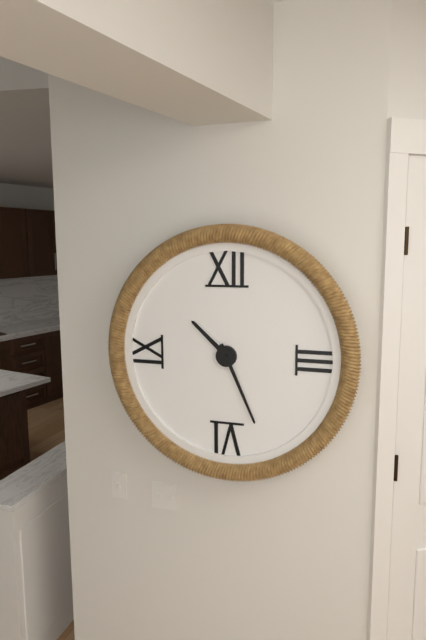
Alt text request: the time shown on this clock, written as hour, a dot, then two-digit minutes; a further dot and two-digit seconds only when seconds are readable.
10.26
